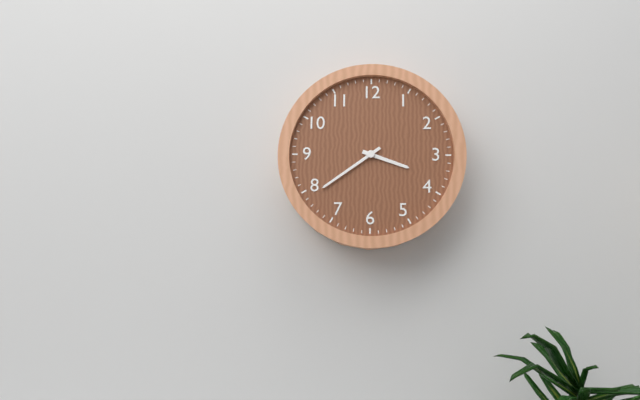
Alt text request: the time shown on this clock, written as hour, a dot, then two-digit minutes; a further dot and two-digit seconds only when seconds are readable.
3.39
